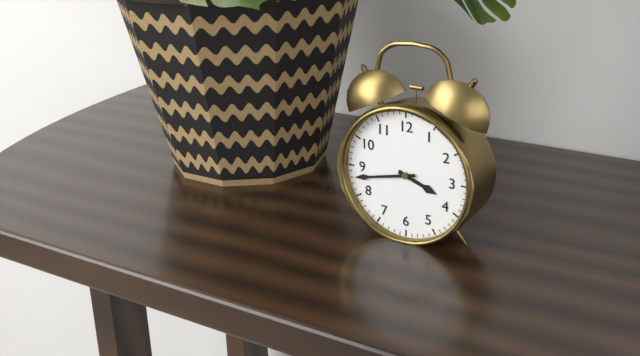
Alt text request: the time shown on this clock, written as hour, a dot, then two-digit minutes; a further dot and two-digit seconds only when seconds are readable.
3.43
